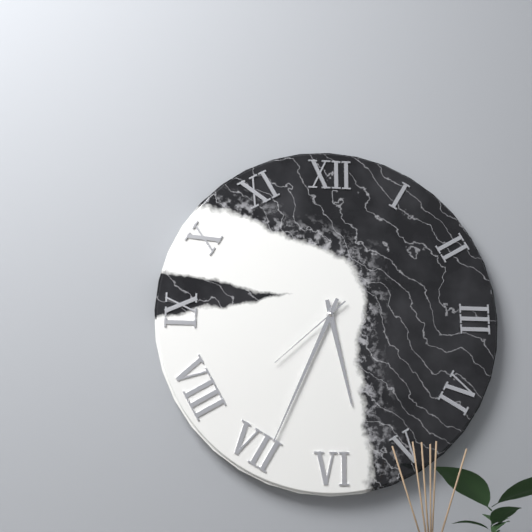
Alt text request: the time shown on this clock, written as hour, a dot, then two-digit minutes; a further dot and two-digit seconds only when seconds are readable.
5.34.38
